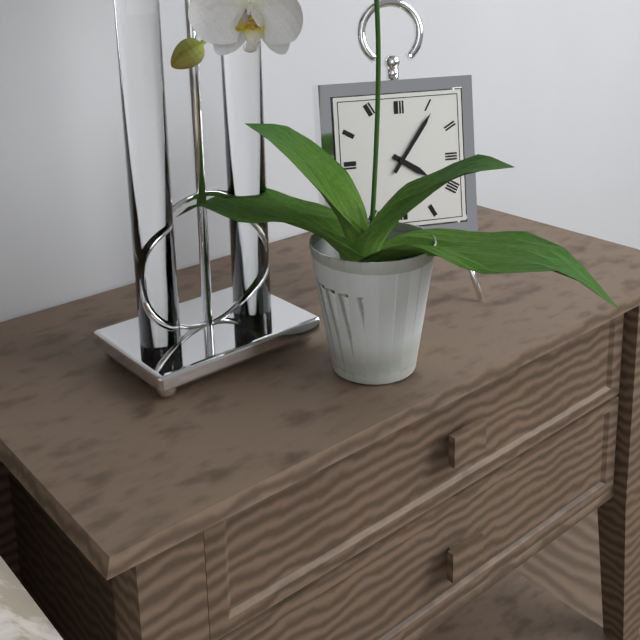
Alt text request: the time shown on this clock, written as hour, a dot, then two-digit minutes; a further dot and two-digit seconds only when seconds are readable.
4.06
